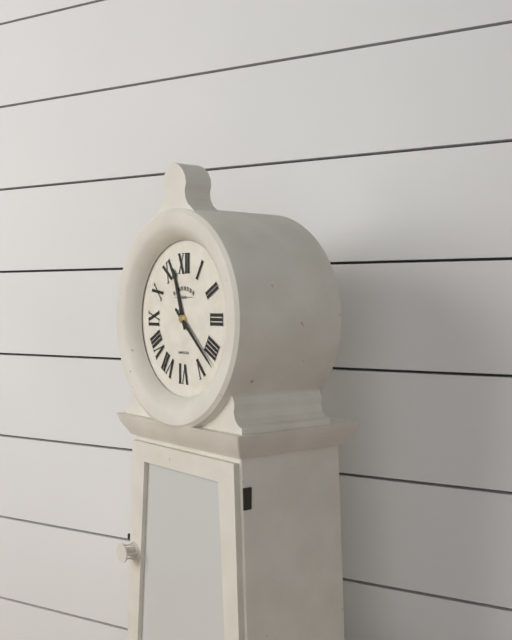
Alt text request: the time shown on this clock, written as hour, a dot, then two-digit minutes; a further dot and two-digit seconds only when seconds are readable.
11.22
